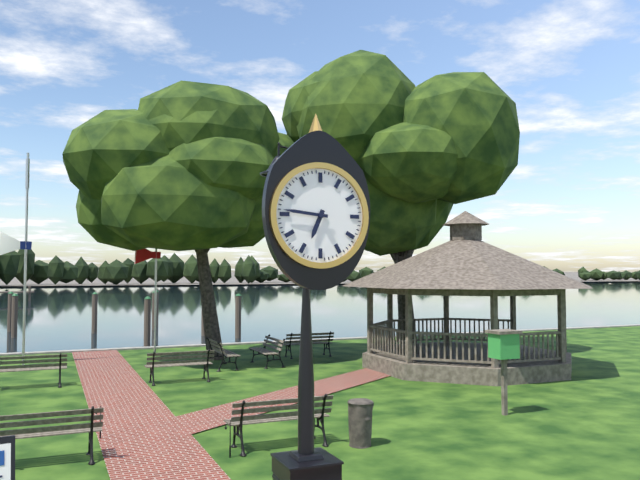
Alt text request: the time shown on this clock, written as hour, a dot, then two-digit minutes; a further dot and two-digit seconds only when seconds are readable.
6.46
